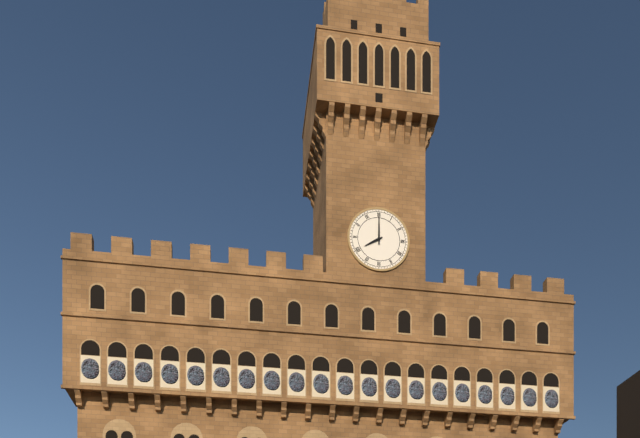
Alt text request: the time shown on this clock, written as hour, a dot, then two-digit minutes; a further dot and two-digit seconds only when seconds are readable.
8.00
